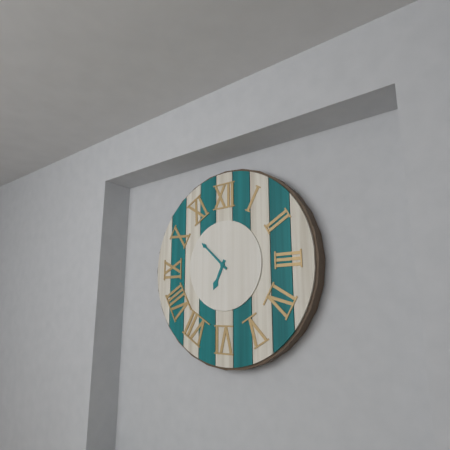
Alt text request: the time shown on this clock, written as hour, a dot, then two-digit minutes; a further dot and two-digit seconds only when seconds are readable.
6.52
